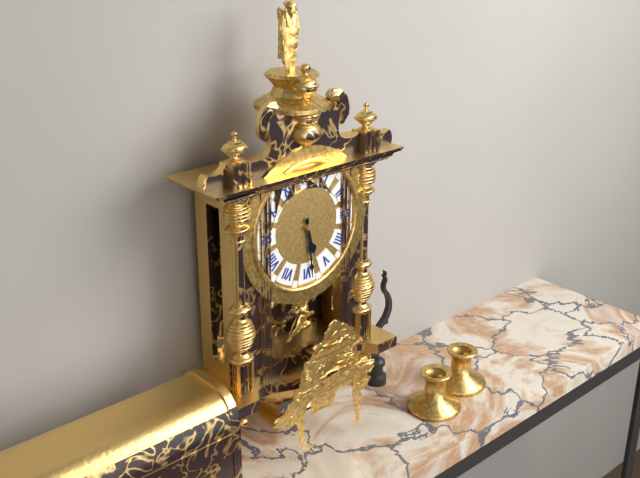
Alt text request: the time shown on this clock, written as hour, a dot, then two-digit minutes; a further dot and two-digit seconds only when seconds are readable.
5.29
